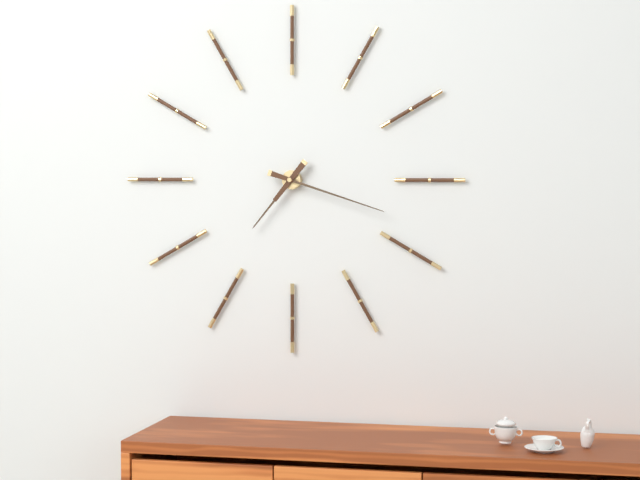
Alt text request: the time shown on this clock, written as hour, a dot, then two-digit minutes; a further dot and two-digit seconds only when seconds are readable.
7.18
